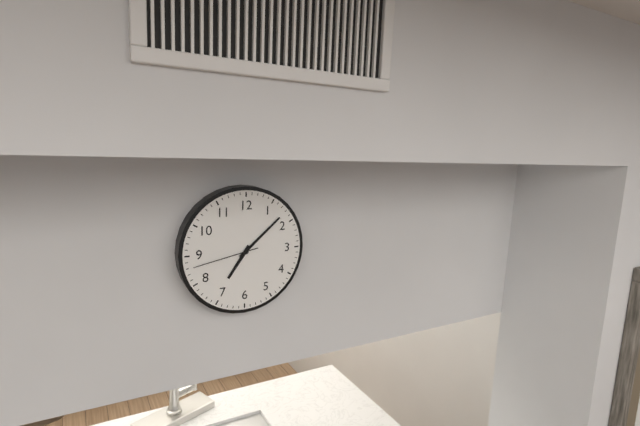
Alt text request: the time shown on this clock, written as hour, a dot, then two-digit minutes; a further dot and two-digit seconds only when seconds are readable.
7.08.43
